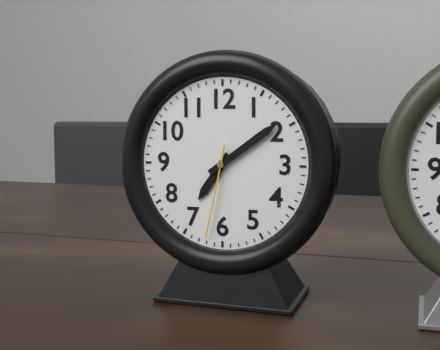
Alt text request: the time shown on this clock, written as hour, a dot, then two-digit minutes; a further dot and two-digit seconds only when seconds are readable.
7.09.32
